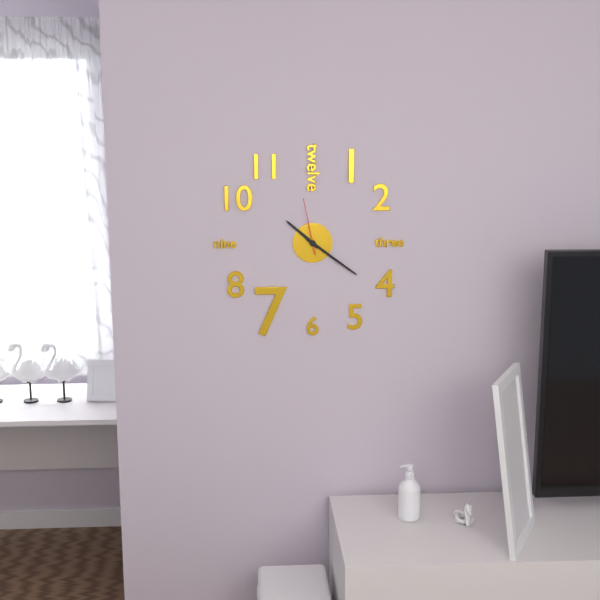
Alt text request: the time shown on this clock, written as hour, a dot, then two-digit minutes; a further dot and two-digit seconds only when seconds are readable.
10.21.58
